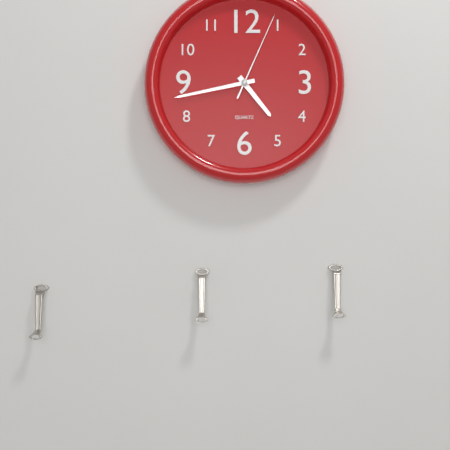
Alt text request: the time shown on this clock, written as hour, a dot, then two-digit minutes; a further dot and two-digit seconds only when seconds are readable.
4.43.04
